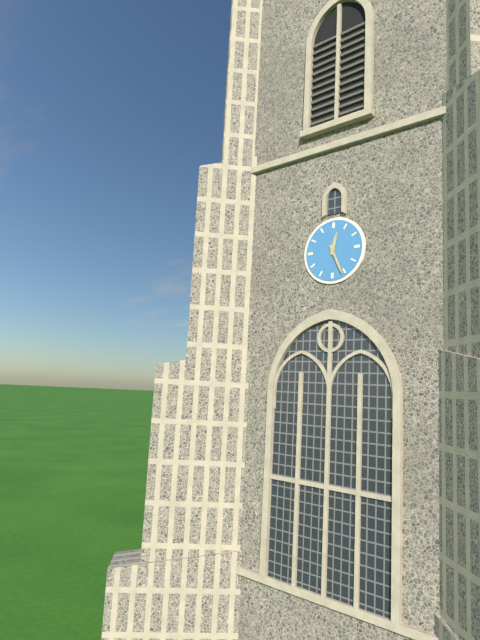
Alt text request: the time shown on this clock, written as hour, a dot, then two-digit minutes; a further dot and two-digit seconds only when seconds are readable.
12.26
